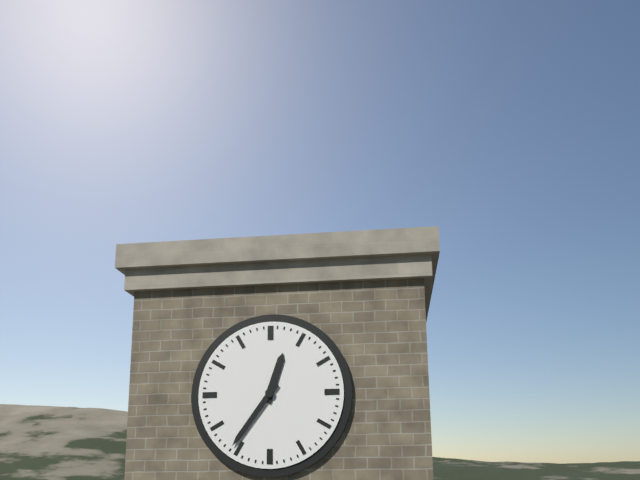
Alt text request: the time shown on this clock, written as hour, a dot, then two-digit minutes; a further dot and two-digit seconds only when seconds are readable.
12.36
